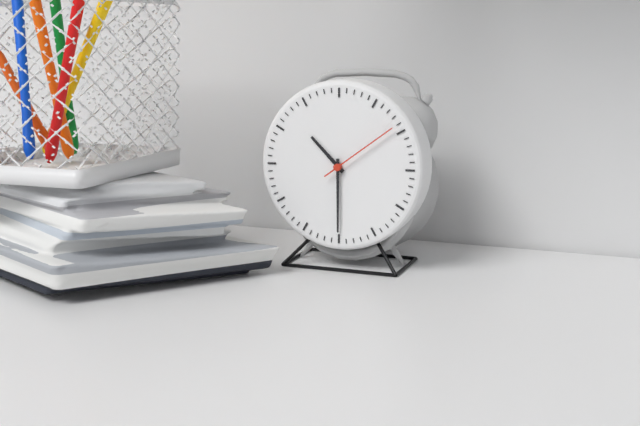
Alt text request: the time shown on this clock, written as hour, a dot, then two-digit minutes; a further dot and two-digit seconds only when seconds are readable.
10.30.09
